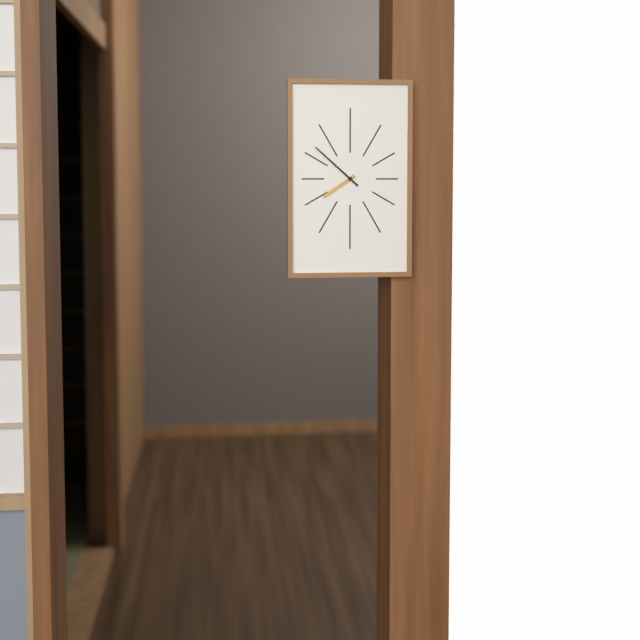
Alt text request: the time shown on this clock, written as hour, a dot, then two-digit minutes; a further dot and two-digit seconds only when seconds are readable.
7.52
